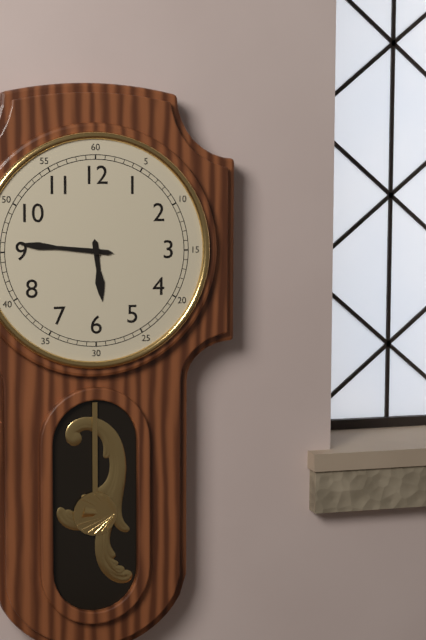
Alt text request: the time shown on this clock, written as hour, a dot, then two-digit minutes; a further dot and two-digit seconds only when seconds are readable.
5.46
